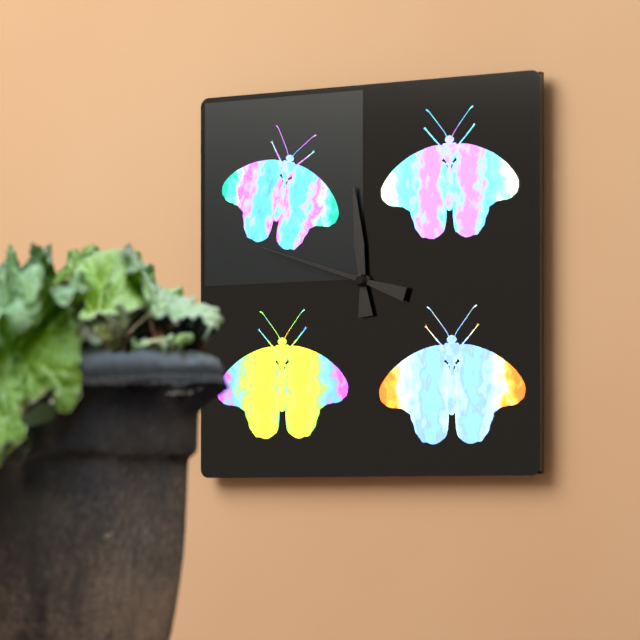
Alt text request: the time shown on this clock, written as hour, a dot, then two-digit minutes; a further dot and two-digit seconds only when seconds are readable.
11.48
